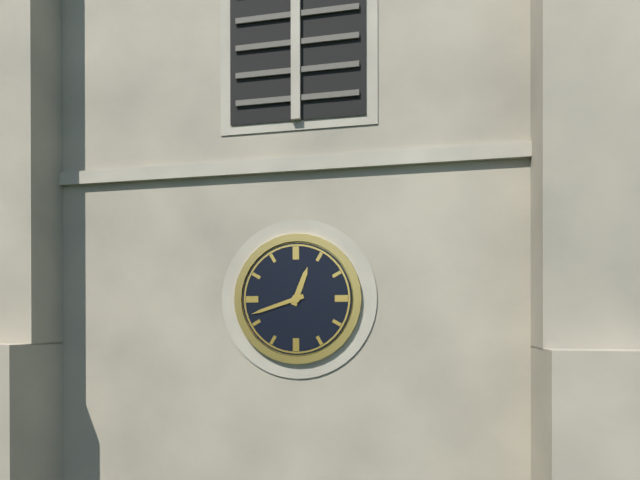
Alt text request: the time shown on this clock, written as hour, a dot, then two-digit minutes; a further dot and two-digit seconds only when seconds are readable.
12.42
